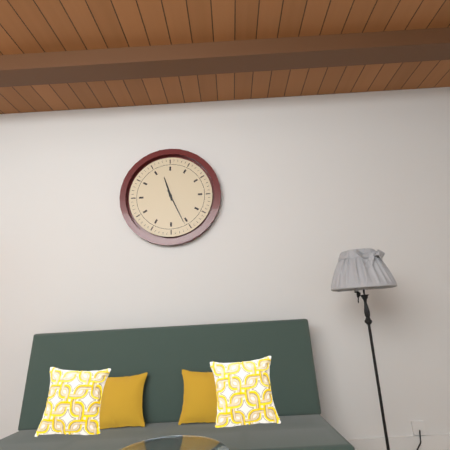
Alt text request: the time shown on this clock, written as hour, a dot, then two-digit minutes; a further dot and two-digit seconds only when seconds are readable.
11.26
